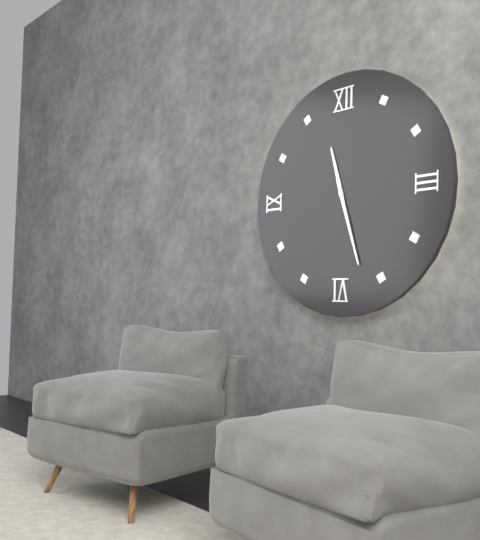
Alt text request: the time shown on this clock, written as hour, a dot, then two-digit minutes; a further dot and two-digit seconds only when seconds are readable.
11.27
